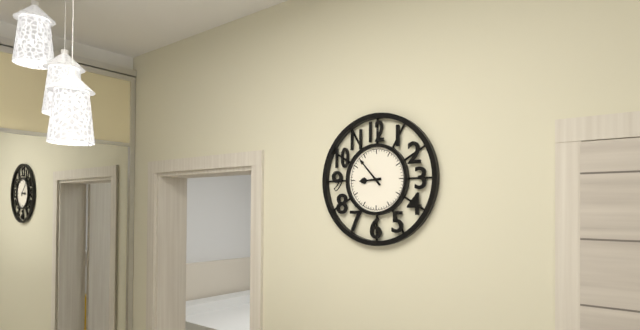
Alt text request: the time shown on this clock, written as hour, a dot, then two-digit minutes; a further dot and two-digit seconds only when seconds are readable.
8.53
